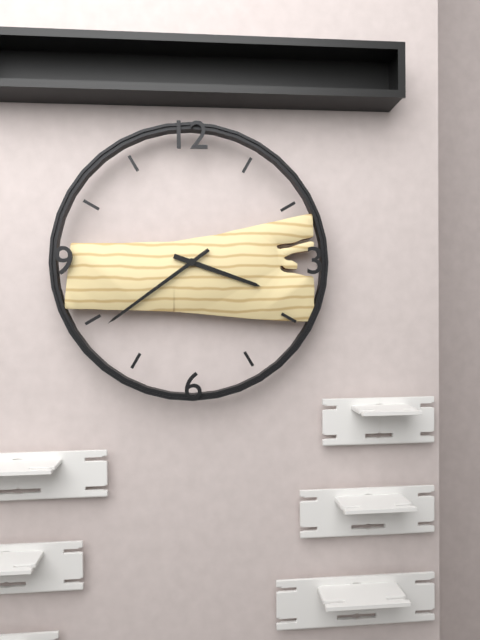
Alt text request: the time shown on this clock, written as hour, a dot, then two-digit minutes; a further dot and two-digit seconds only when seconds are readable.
3.39
